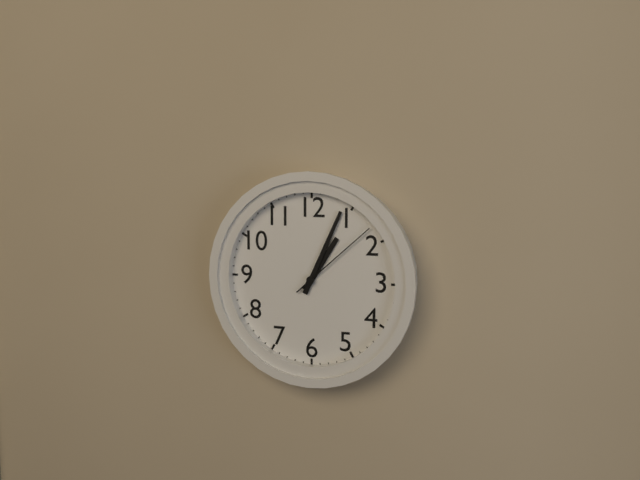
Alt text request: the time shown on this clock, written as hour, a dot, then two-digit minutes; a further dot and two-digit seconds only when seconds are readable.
1.04.08
